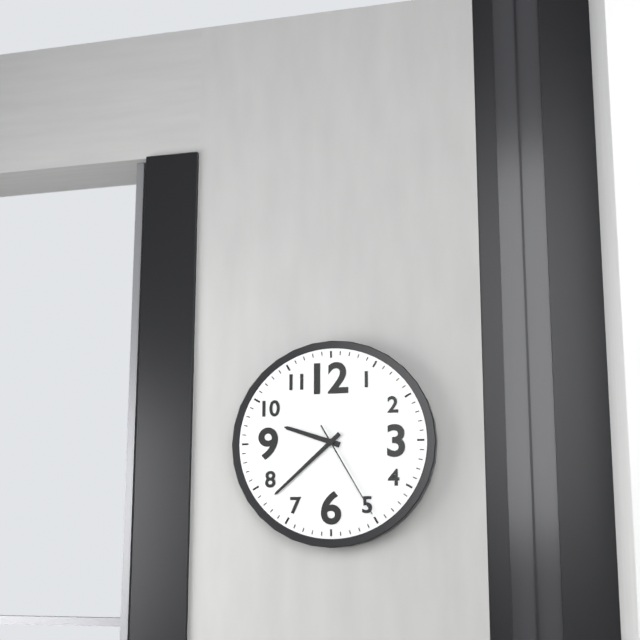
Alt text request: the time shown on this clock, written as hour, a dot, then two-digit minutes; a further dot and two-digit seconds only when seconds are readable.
9.38.25
